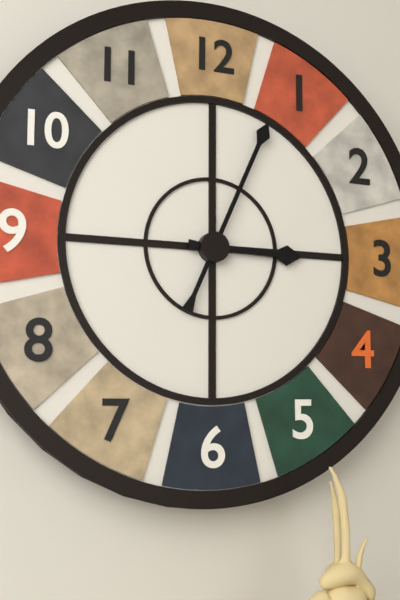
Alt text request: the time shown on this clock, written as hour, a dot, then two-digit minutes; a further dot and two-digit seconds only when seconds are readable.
3.04
